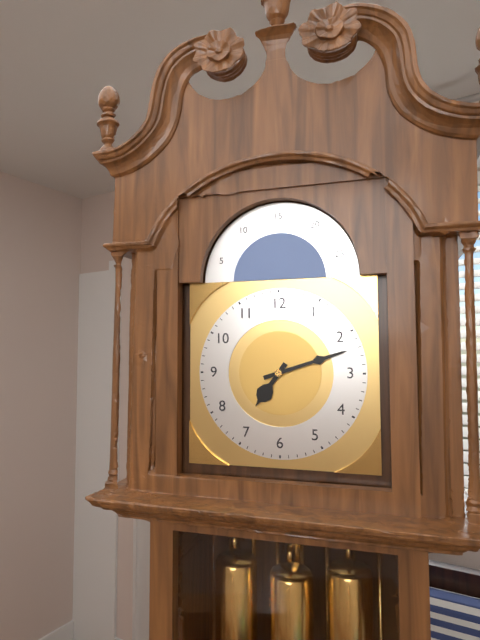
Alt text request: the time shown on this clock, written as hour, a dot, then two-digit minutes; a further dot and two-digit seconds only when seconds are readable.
7.12
